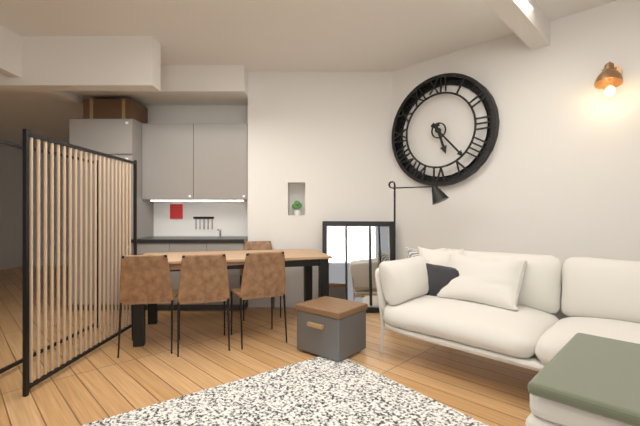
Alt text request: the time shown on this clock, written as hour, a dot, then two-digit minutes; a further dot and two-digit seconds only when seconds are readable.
5.23
